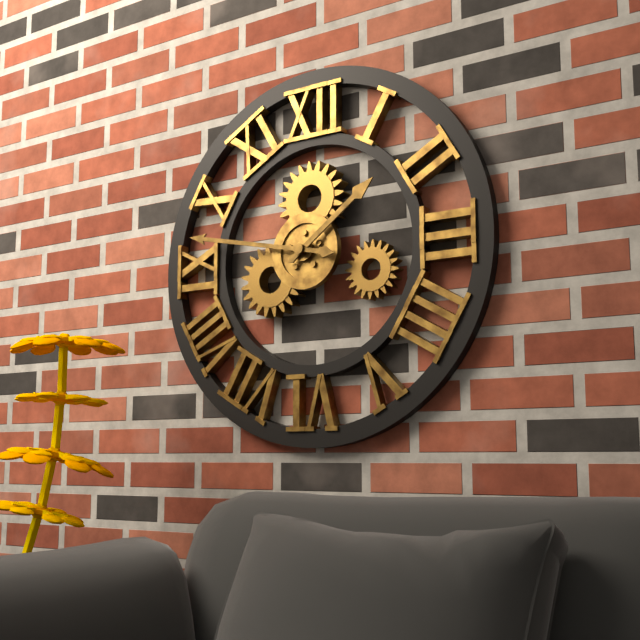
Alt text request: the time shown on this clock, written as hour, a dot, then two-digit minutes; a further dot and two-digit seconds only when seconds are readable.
1.47
